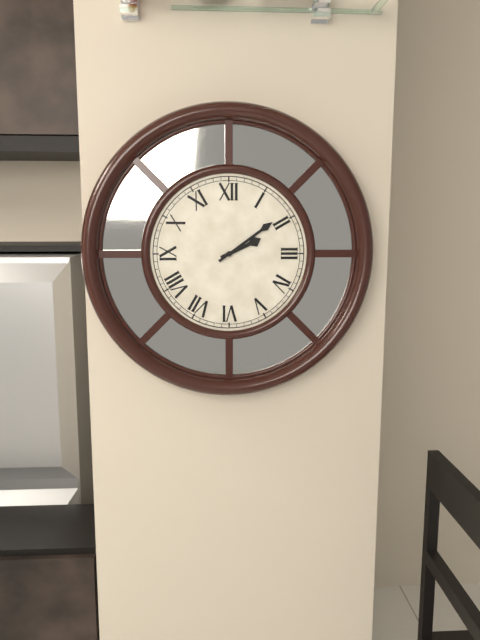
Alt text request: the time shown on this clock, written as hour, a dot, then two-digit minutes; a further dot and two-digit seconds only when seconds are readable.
2.09
